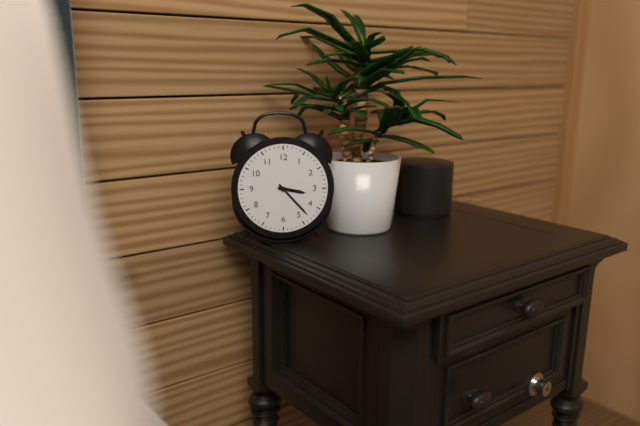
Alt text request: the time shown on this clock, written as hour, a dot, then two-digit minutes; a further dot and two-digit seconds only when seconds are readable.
3.23
